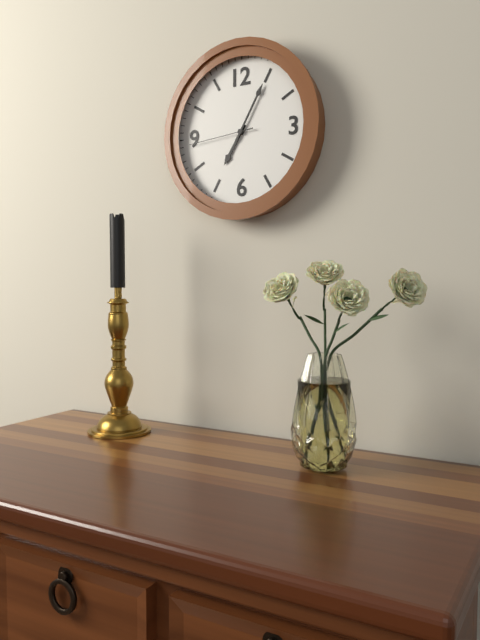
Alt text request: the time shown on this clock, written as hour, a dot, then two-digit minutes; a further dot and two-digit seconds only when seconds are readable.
7.05.44
